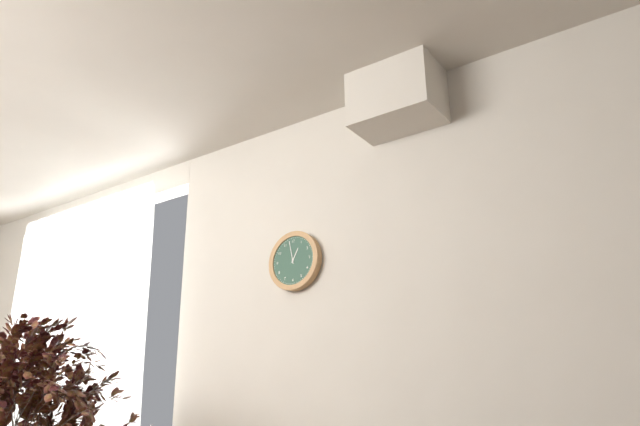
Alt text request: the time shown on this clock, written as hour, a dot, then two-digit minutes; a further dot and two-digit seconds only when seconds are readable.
12.58
